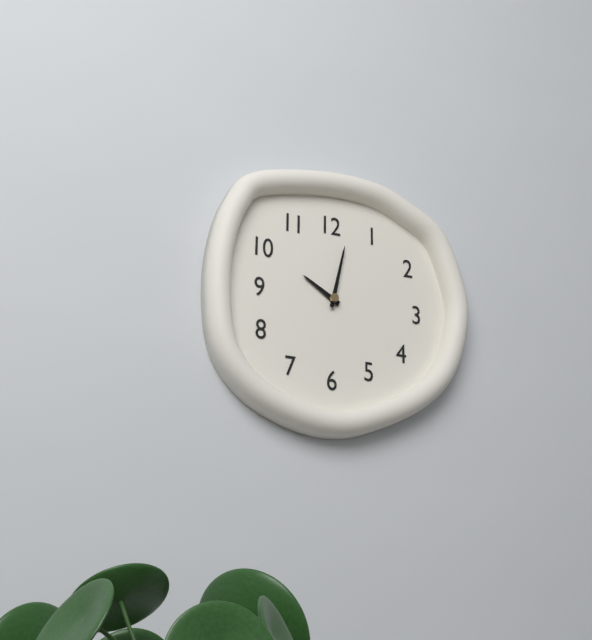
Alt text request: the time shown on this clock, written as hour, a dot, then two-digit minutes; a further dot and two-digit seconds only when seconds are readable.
10.02
